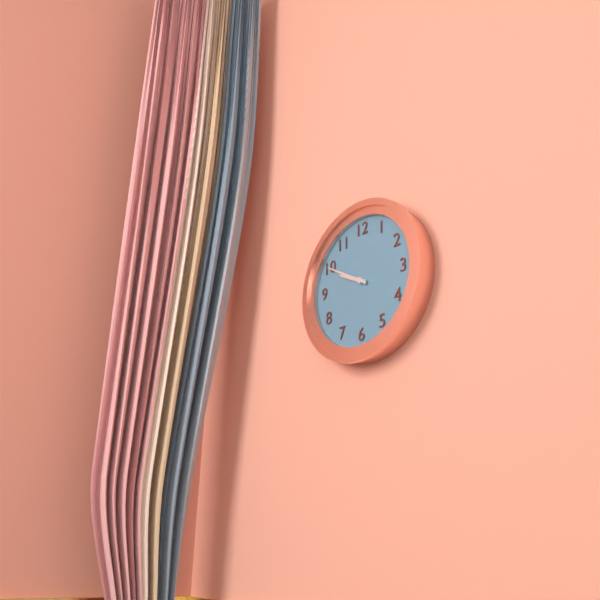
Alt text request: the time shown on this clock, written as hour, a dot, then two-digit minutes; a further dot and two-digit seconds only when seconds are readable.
9.50
